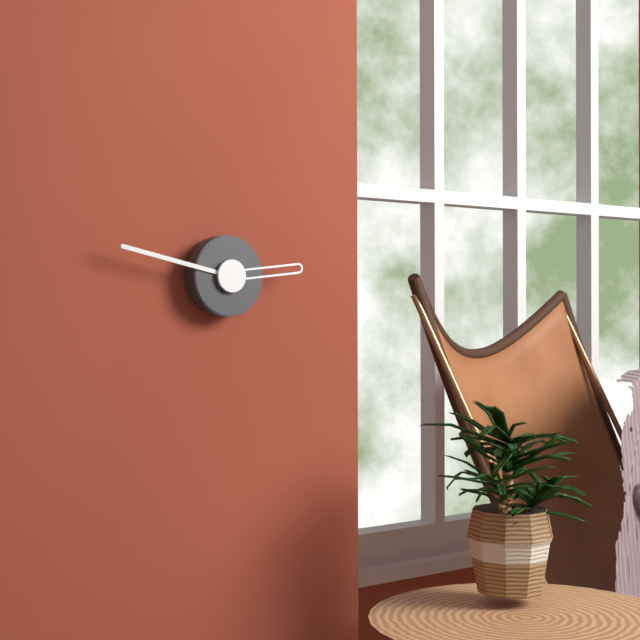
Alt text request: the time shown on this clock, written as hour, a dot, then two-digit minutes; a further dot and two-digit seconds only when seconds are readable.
2.47
